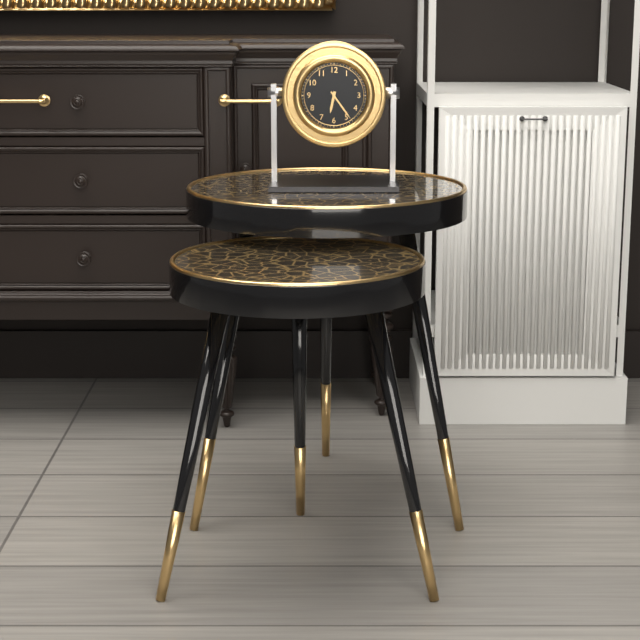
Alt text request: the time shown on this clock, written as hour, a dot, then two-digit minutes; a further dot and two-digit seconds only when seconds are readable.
6.24
